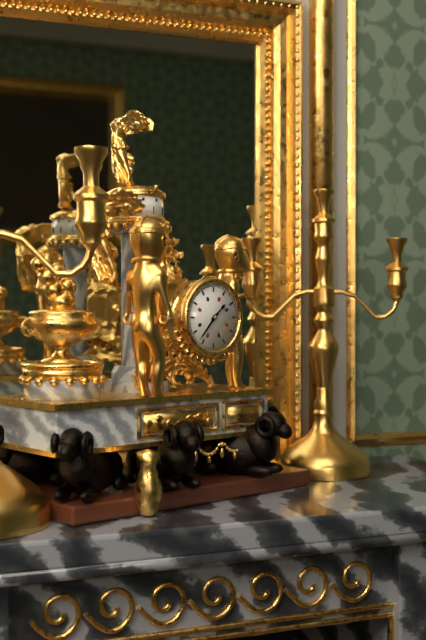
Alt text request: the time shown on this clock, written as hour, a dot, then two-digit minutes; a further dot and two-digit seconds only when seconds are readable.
1.37
